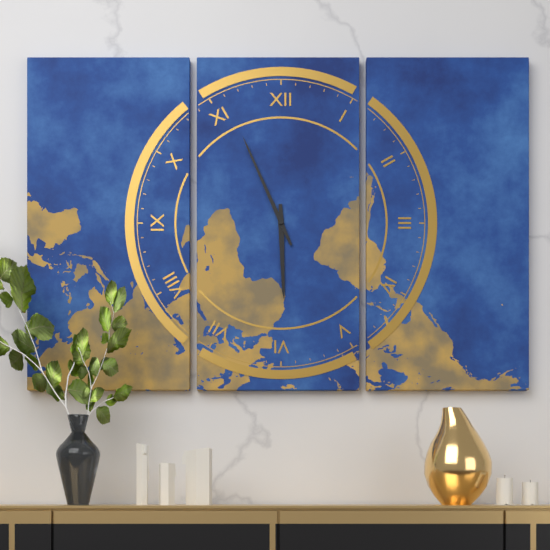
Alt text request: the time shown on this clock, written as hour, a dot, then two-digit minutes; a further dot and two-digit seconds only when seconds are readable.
5.56
